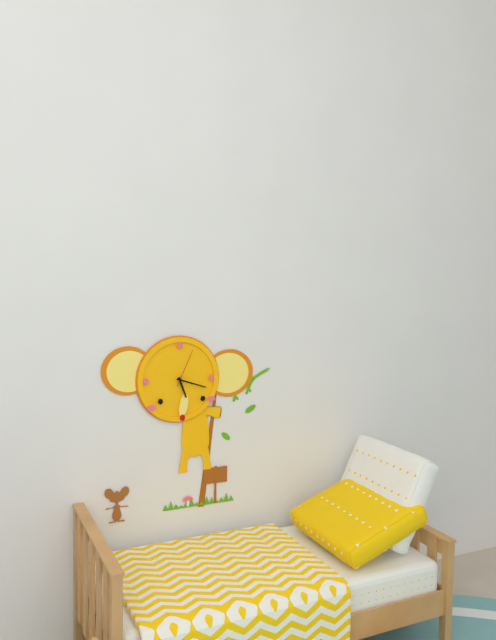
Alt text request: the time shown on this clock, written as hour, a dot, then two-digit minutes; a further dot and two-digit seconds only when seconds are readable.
5.18
